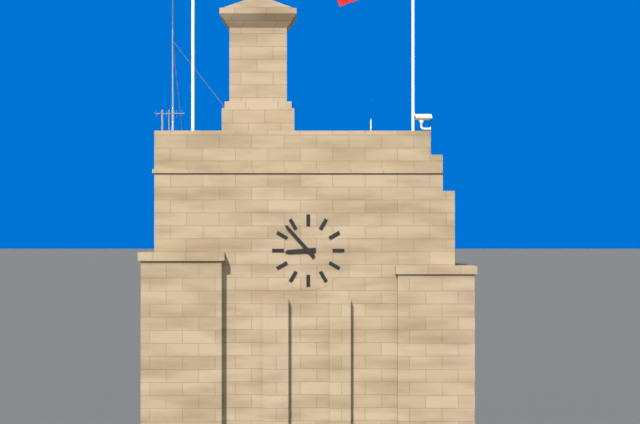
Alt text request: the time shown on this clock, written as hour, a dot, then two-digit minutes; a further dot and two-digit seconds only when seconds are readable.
8.53
